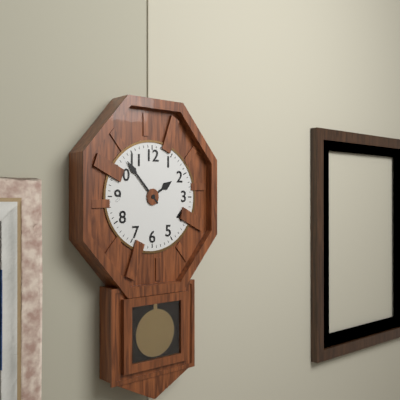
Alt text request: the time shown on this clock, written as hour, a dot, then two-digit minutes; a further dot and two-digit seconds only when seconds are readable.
1.53
